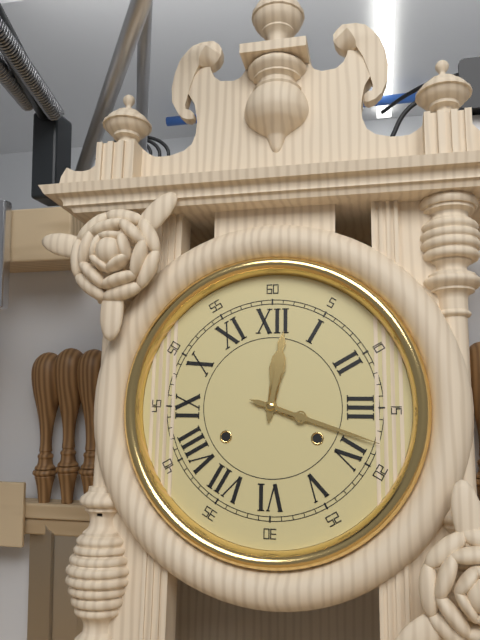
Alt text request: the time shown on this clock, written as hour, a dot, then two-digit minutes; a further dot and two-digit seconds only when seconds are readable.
12.18
